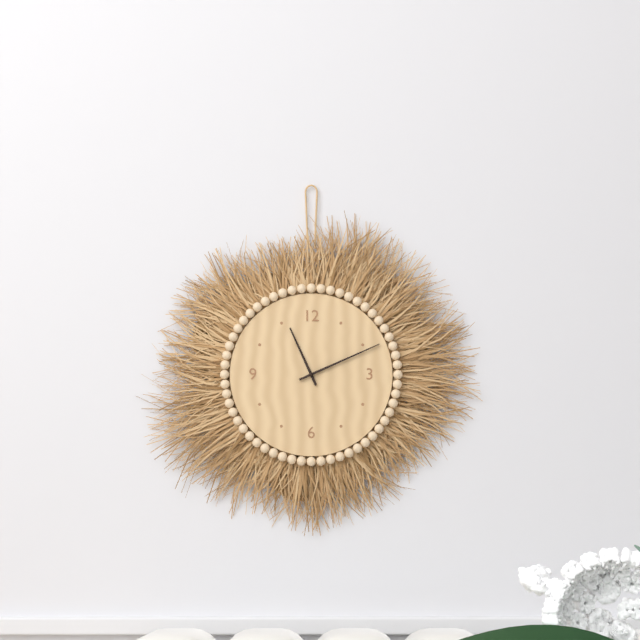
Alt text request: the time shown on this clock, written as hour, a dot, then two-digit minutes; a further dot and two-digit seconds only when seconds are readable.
11.11
